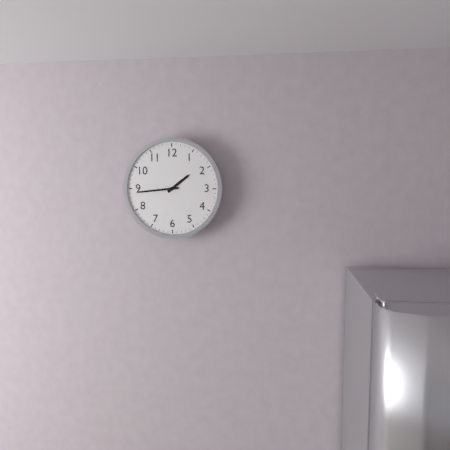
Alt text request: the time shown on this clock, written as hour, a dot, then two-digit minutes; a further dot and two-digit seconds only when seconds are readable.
1.44
